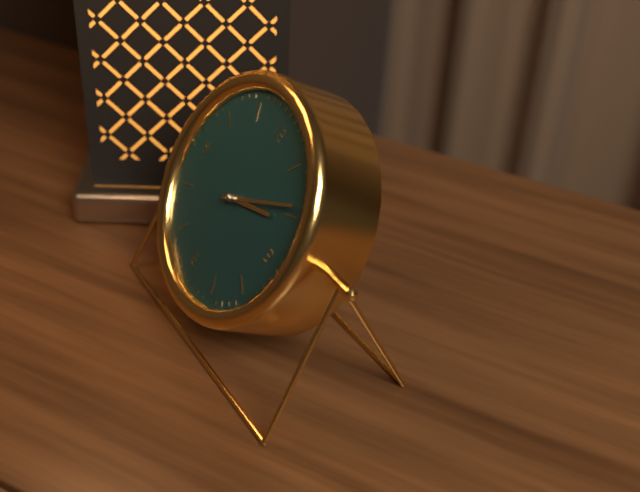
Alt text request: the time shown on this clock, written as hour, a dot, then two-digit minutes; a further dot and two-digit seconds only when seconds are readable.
2.09
